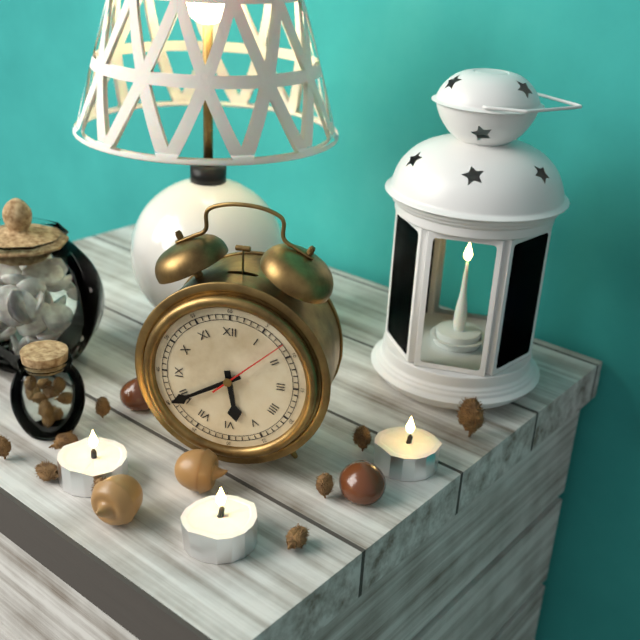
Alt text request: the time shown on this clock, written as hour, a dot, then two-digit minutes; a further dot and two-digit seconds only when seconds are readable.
5.40.08
